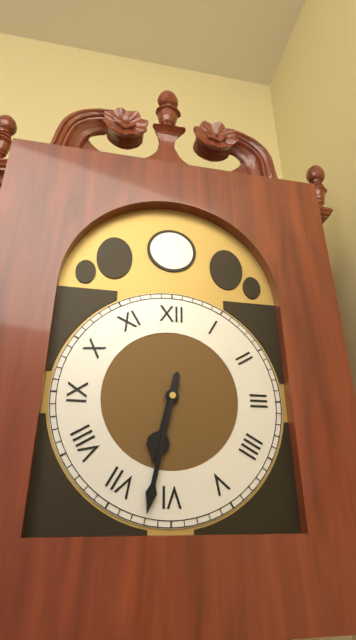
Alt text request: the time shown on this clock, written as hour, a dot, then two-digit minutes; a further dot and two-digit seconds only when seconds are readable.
6.32
